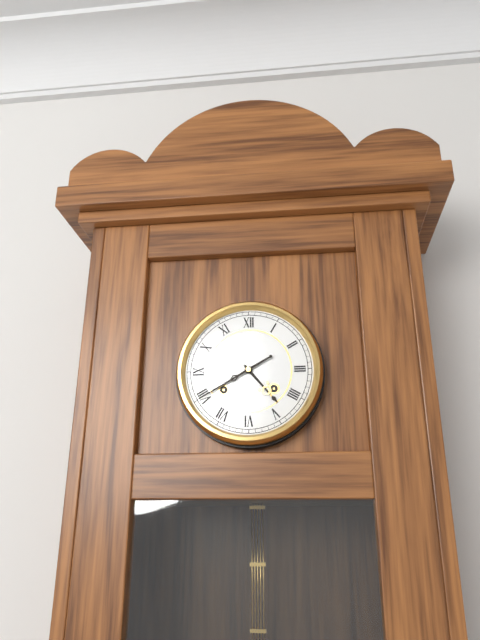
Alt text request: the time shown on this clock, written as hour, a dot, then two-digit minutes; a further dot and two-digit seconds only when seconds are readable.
4.40
